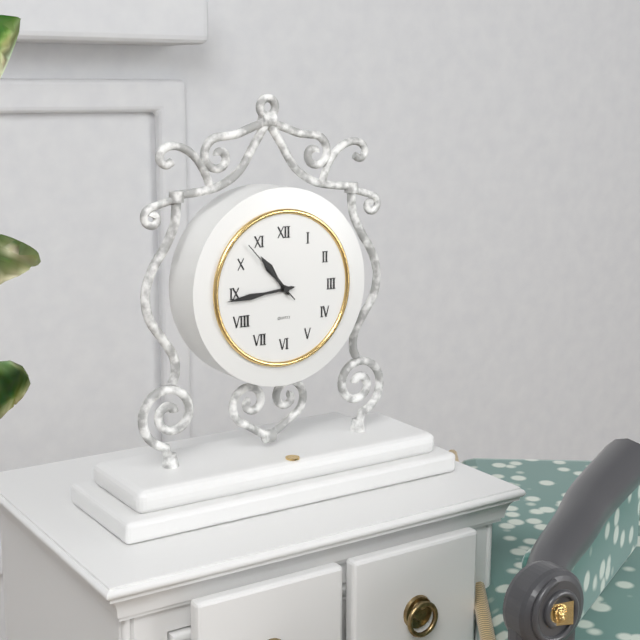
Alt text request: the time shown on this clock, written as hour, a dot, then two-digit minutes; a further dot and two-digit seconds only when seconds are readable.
10.44.53
